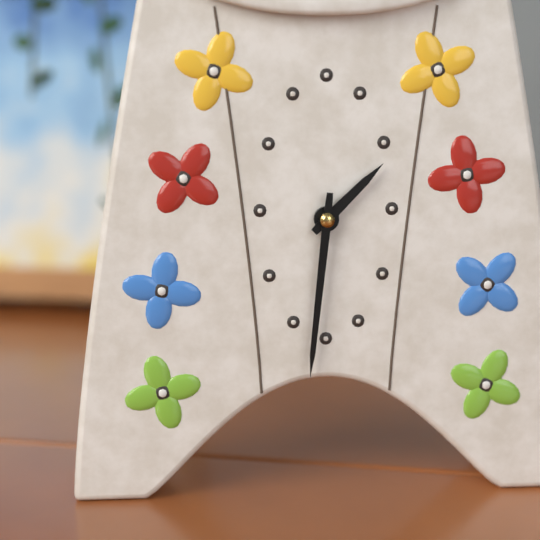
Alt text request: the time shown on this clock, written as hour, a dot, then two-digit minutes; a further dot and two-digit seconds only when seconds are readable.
1.31
